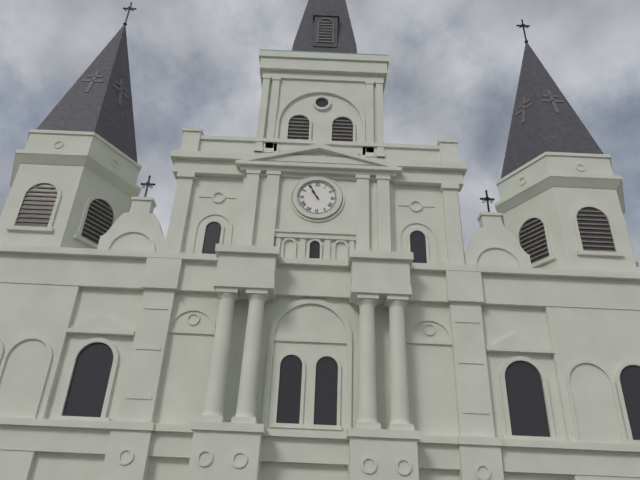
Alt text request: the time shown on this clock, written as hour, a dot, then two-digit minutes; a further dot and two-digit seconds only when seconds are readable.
10.55
